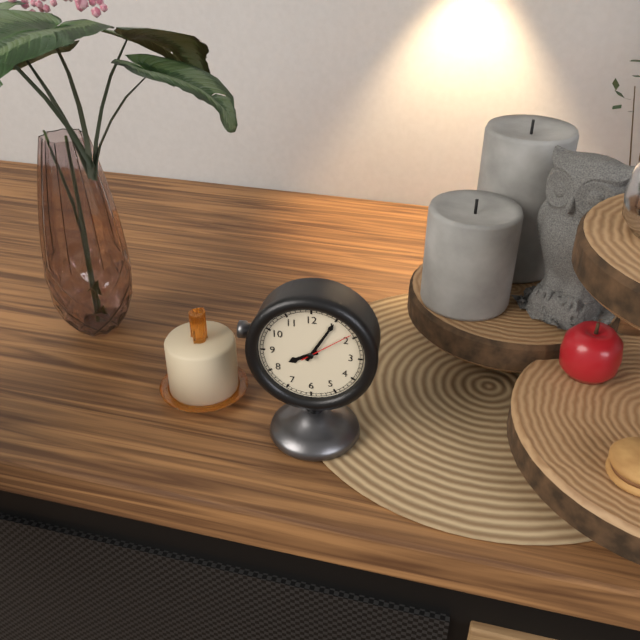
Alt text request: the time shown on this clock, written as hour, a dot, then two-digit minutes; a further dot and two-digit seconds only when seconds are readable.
8.05.09
